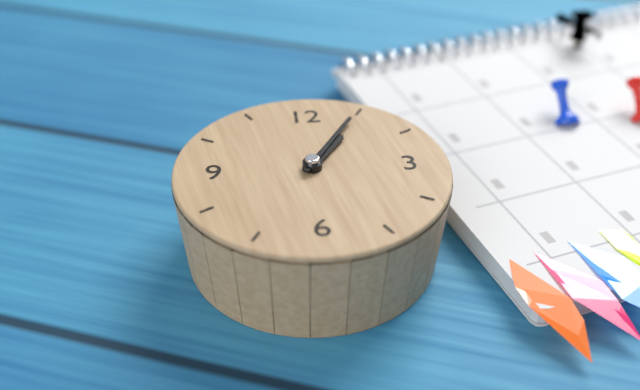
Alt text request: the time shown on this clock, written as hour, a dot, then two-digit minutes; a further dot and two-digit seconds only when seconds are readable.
1.05
